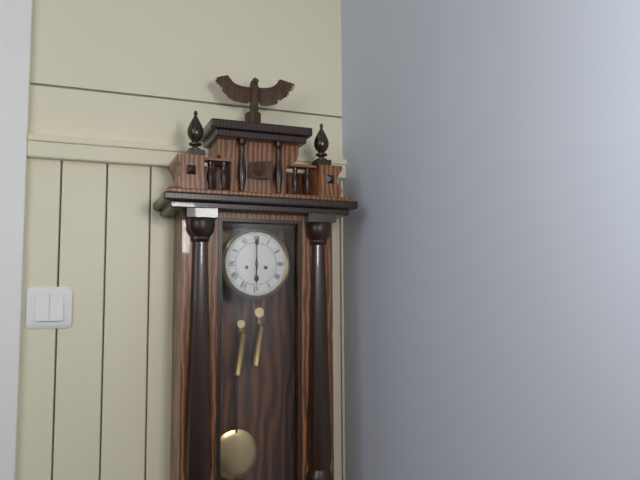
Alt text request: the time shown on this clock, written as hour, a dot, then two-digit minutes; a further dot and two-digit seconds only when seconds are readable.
6.00
